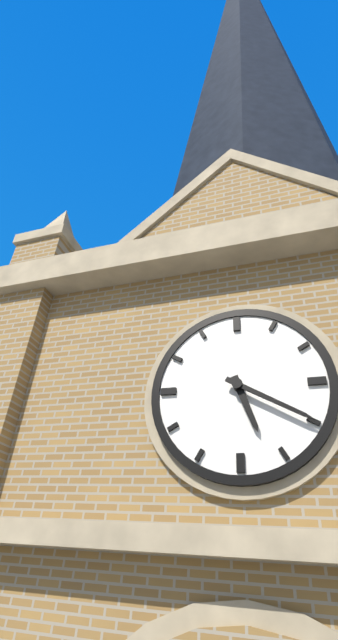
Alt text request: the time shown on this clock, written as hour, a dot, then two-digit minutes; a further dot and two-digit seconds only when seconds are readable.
5.20
